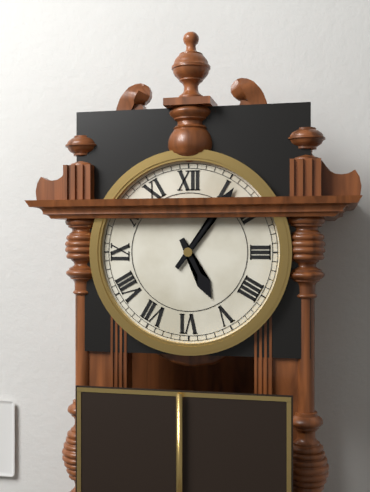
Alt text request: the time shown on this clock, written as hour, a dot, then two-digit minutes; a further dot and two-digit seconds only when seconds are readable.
5.06
